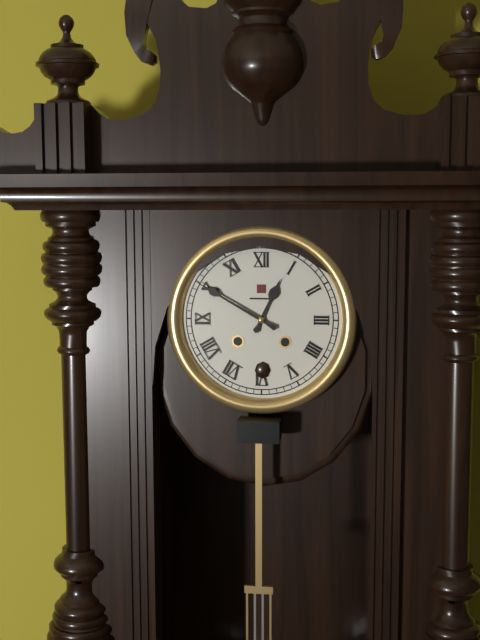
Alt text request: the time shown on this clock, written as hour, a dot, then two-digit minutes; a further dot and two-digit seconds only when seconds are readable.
12.50
